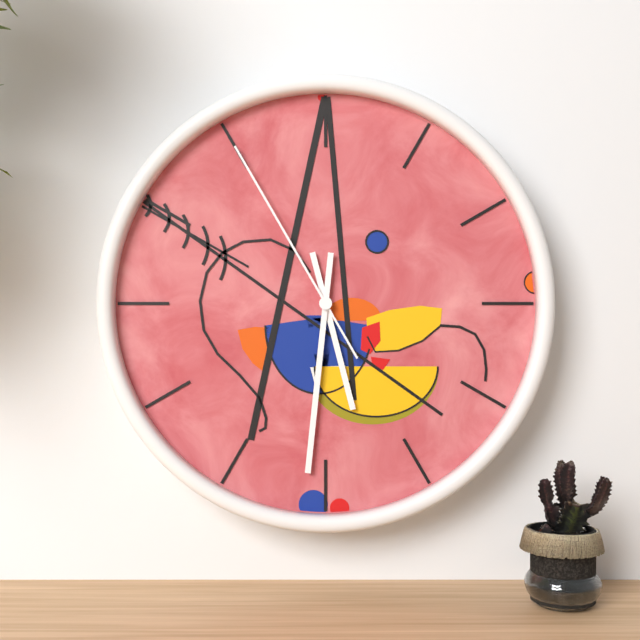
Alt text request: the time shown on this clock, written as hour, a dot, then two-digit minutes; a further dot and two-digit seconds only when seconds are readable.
5.31.55
